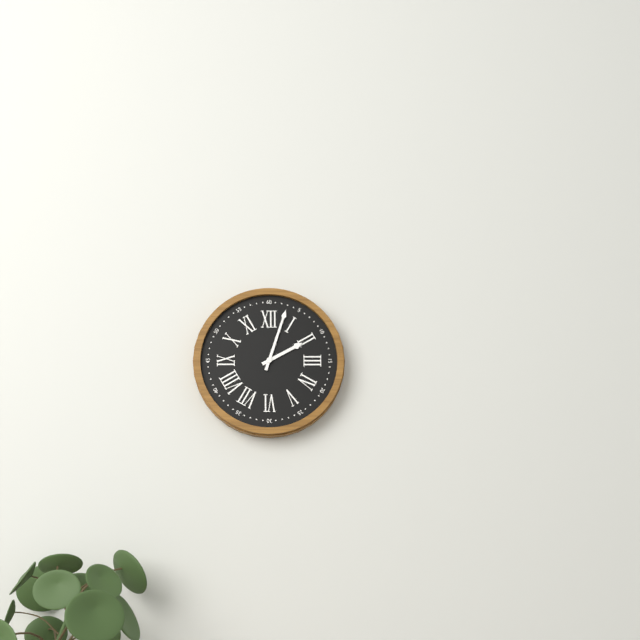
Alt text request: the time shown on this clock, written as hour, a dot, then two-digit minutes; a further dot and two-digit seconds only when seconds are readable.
2.03
